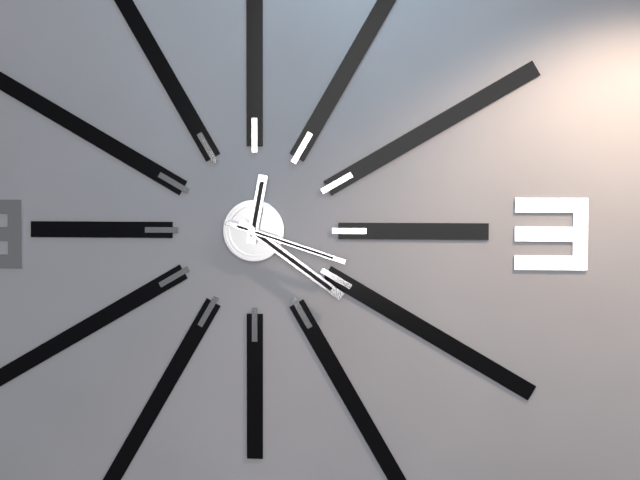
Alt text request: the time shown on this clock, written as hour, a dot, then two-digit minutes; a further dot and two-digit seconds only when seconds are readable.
12.21.18
